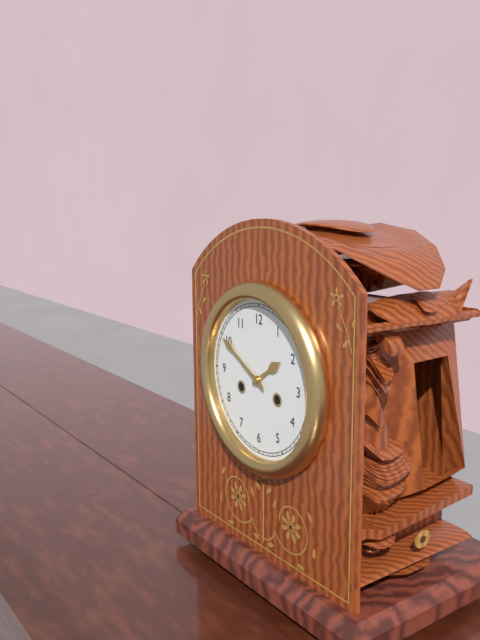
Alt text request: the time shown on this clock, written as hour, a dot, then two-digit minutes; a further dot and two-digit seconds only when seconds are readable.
1.50
